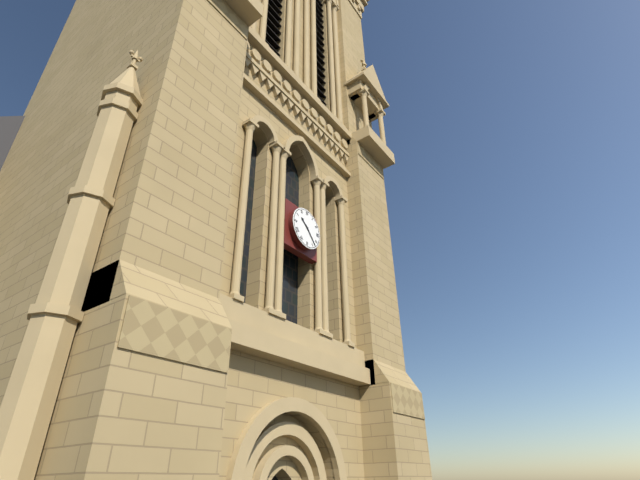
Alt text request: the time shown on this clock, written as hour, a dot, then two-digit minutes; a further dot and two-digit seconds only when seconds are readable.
10.23
